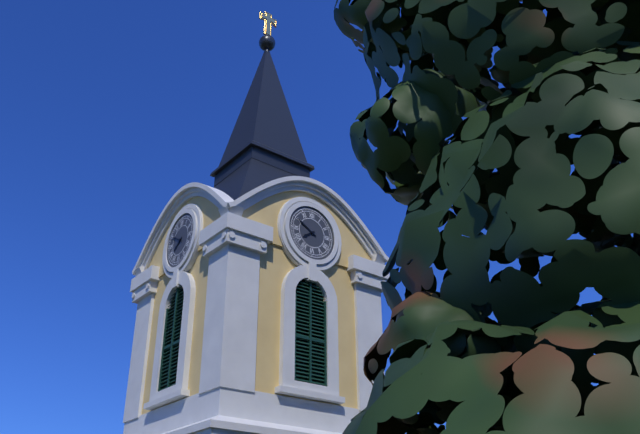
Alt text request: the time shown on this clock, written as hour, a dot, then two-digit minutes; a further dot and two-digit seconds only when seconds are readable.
7.50
